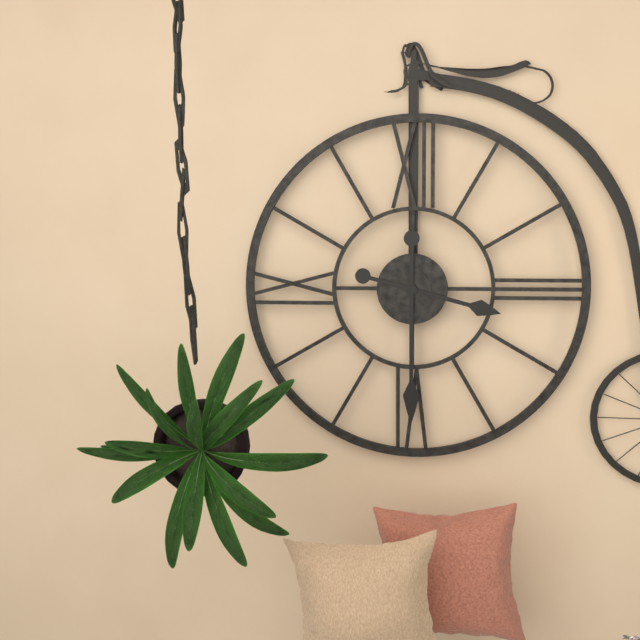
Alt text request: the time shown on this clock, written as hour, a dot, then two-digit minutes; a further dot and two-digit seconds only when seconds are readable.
3.30
